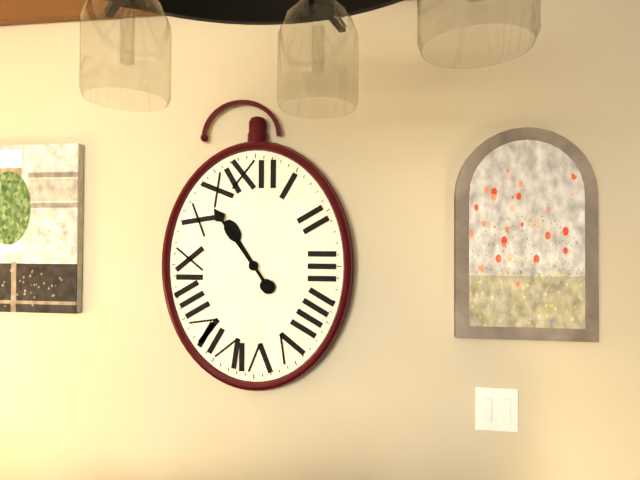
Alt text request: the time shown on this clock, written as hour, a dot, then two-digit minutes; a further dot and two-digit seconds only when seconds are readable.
10.54
